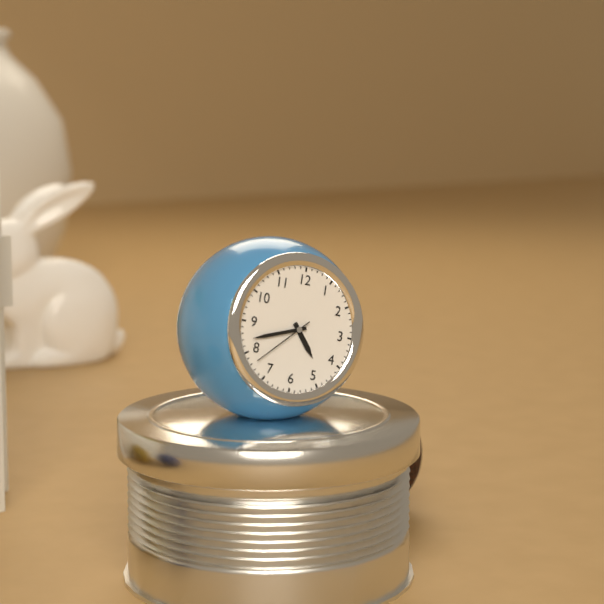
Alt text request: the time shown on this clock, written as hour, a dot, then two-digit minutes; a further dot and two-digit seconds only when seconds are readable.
4.42
